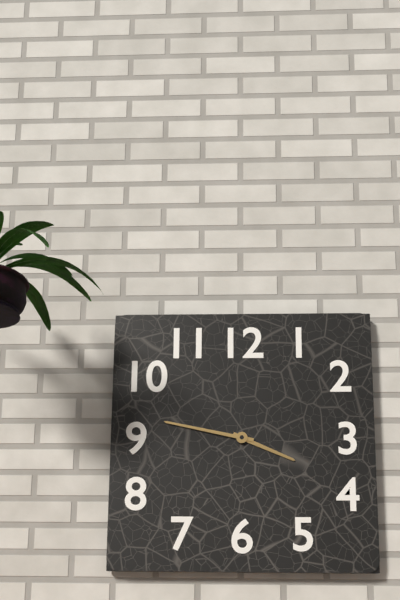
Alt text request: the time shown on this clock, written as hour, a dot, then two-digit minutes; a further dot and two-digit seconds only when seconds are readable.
3.47
